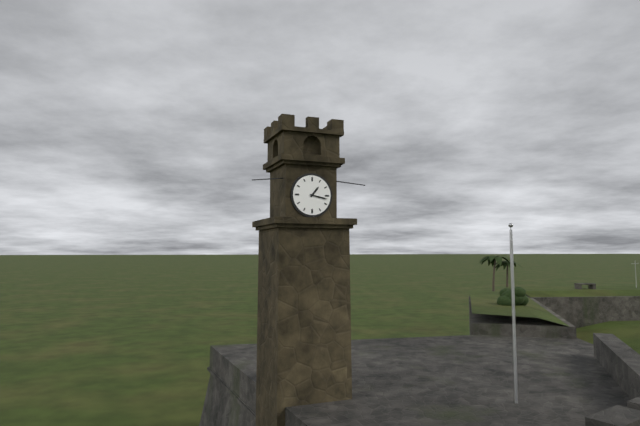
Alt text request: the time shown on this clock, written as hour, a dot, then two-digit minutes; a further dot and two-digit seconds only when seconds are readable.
1.17
